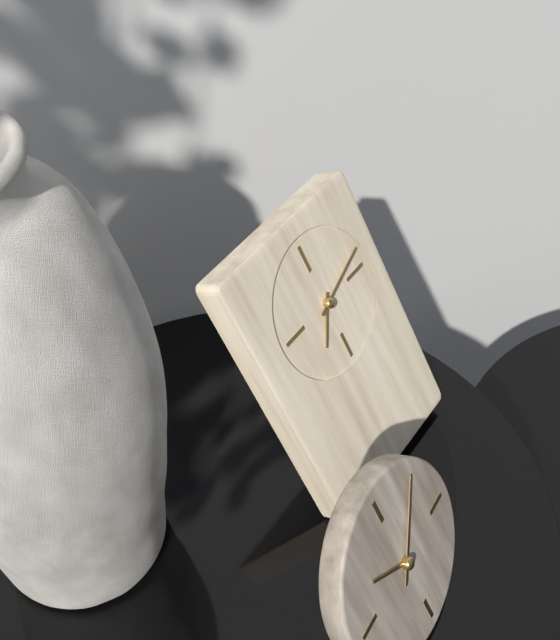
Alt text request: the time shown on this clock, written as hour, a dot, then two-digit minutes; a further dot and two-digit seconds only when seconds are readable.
7.12
